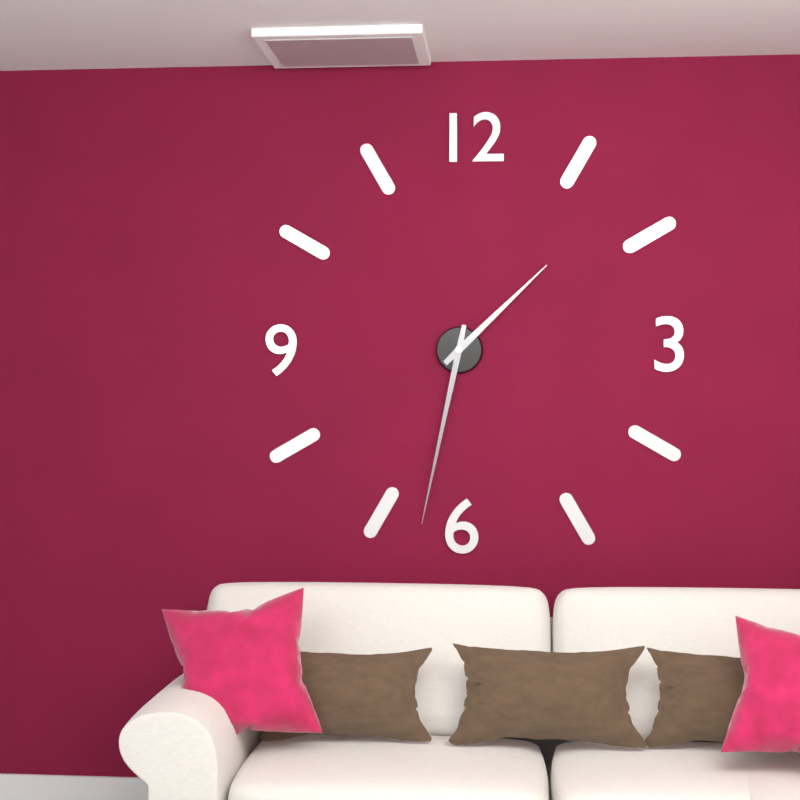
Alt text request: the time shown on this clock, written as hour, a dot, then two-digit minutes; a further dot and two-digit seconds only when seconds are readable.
1.32
